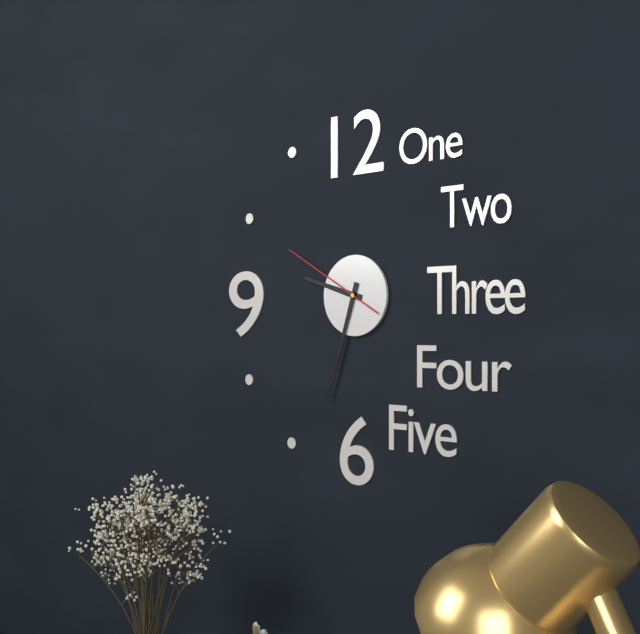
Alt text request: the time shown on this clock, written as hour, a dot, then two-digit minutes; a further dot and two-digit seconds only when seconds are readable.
9.33.50
